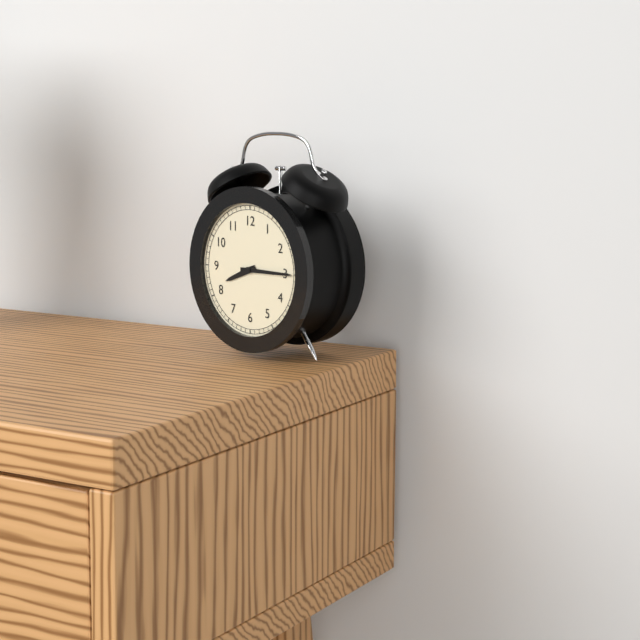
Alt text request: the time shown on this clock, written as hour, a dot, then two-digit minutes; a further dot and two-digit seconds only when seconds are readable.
8.15
